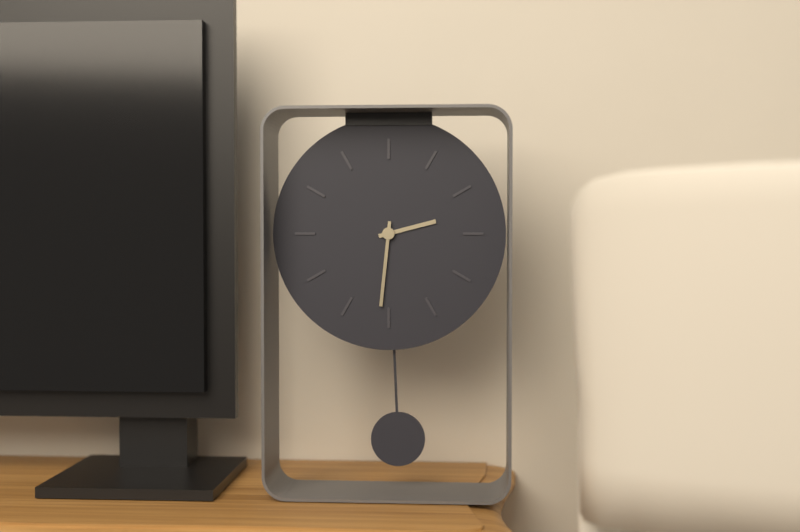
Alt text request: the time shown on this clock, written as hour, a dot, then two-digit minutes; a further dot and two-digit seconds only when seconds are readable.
2.31
